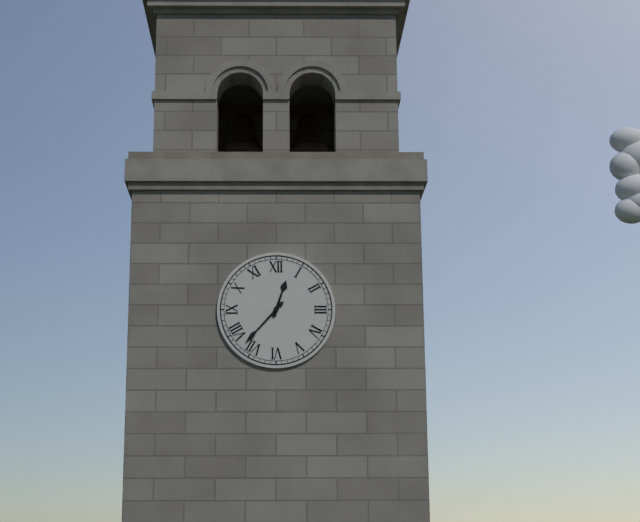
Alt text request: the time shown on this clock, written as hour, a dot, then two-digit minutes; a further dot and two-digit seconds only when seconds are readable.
12.37
